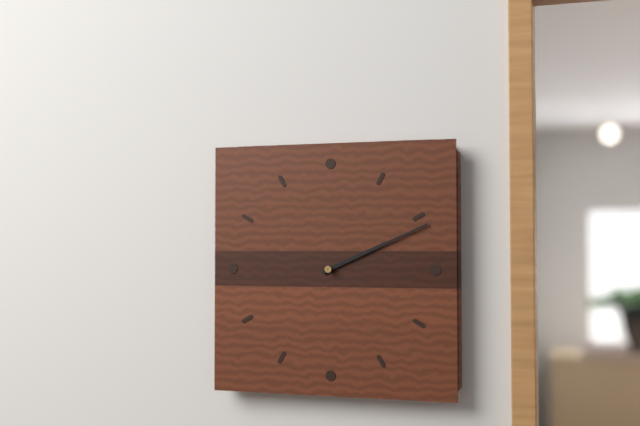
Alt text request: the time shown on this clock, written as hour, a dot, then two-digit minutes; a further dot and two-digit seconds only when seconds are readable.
2.11
